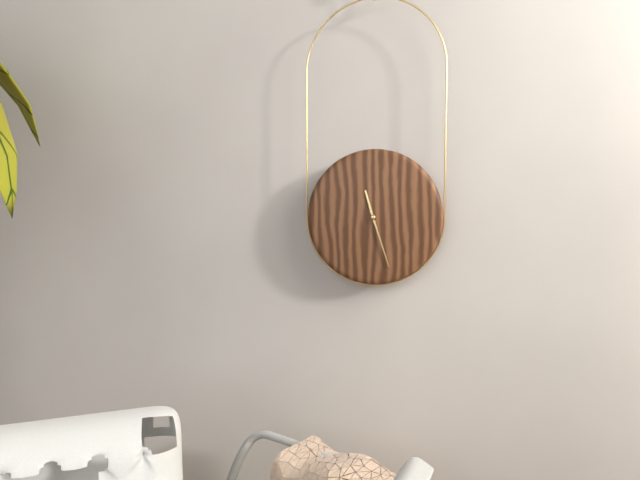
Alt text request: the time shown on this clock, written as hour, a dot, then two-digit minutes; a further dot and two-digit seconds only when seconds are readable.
11.27
